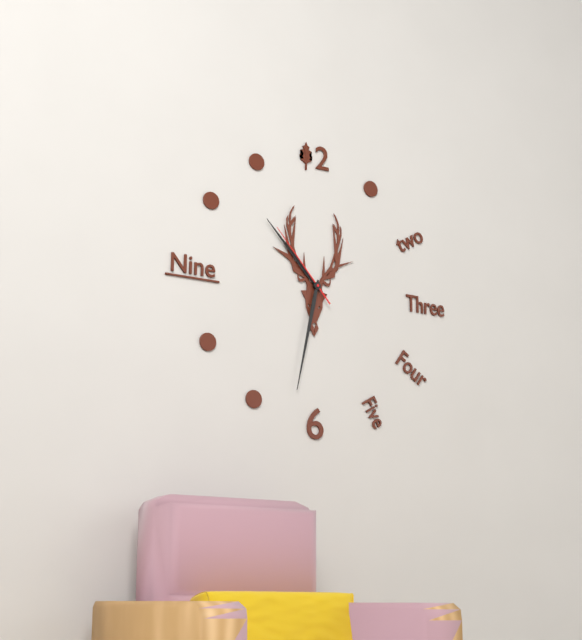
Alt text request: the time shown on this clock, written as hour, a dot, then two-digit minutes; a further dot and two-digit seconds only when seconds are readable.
10.32.53
